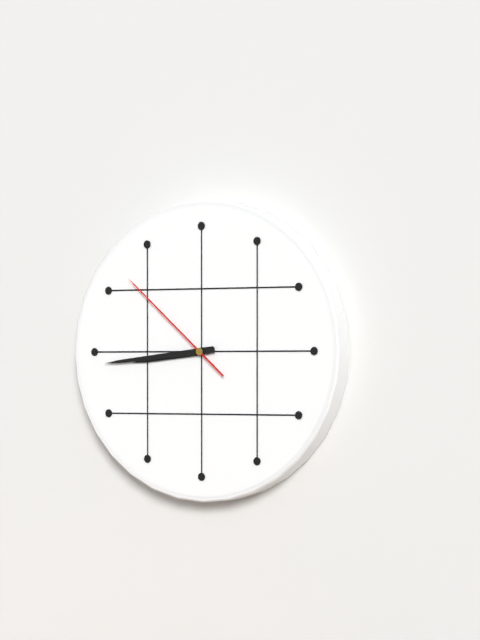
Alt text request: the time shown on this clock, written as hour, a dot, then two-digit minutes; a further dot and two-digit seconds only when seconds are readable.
8.44.52
